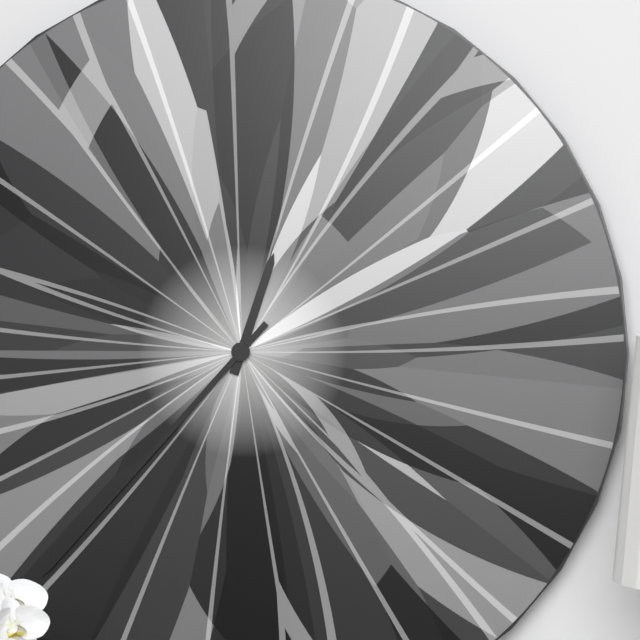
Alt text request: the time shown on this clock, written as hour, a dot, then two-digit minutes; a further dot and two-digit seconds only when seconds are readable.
12.37
